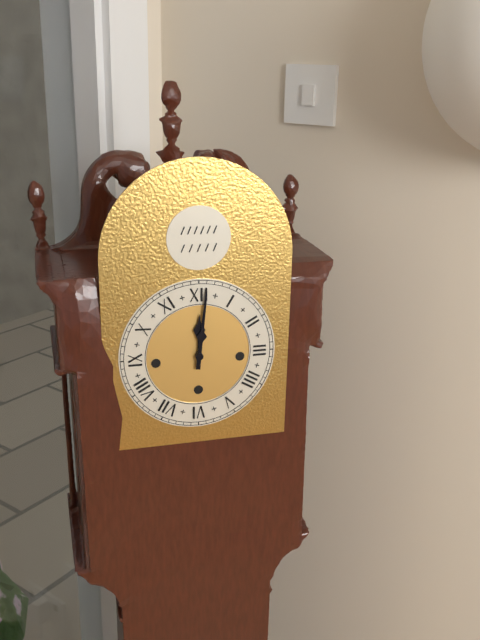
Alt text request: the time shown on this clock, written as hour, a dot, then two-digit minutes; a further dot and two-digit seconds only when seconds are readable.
12.01
